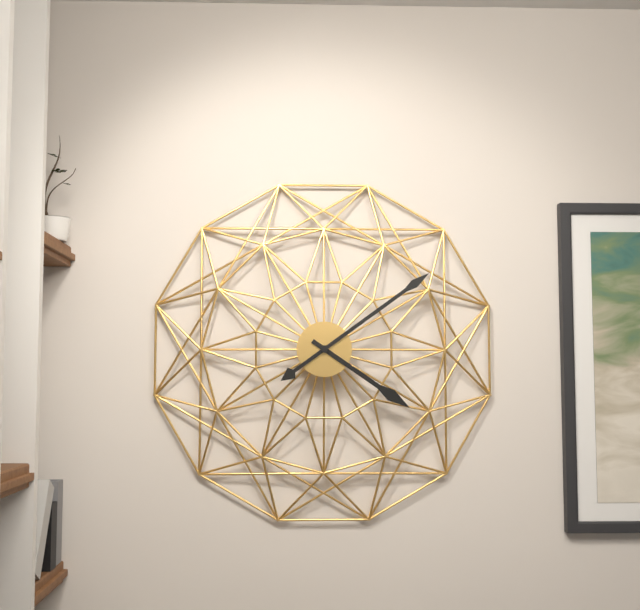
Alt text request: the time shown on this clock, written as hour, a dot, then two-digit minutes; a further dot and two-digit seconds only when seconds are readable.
4.09
